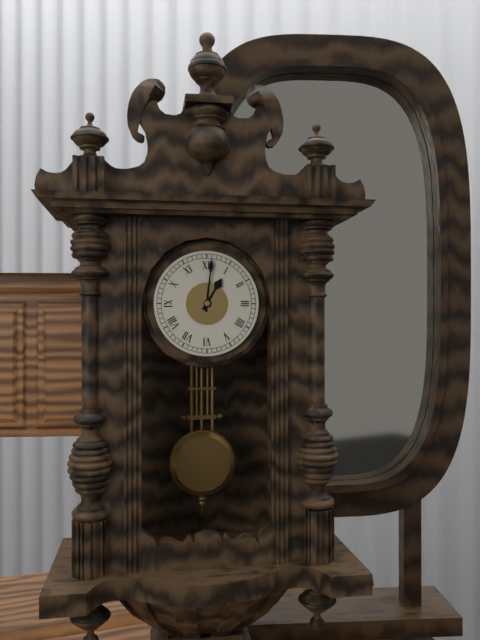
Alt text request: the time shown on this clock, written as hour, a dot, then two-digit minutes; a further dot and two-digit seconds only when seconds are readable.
1.01
